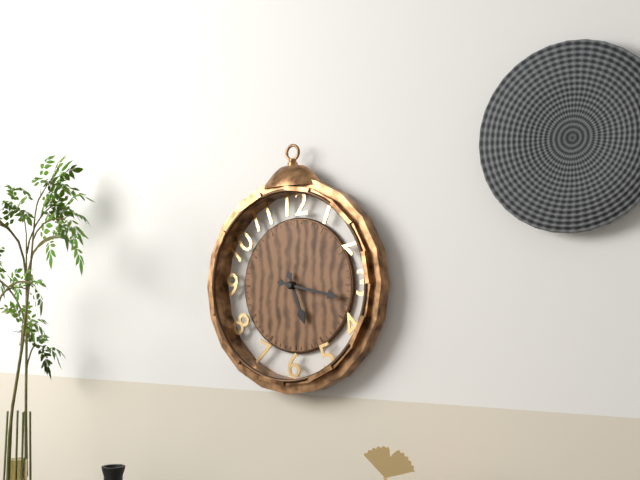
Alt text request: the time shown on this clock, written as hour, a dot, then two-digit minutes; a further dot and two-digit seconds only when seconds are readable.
5.17
